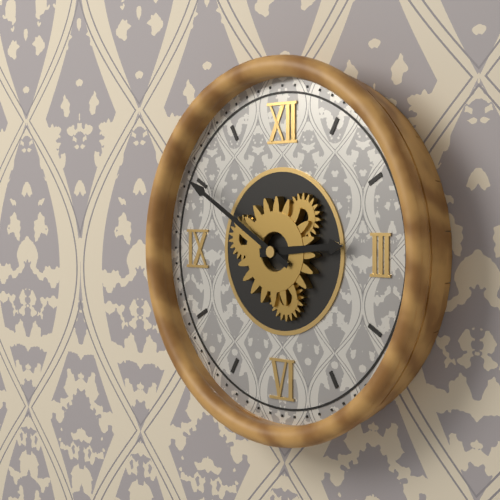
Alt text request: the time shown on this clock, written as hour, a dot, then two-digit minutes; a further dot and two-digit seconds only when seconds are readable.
2.50
